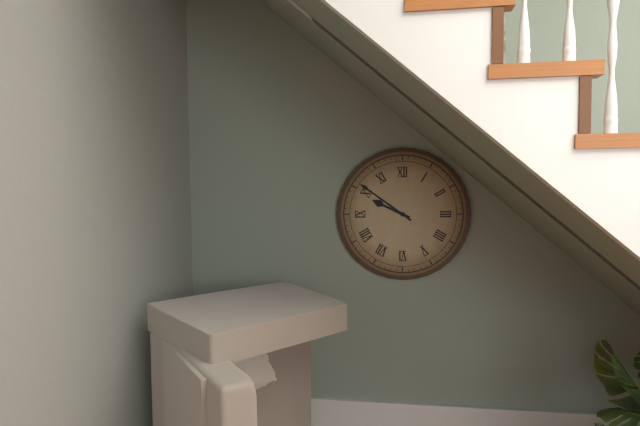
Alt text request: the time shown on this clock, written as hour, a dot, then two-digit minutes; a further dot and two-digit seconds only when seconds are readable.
9.51
